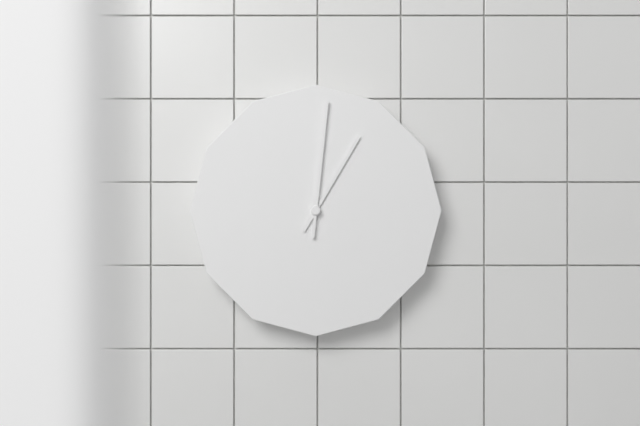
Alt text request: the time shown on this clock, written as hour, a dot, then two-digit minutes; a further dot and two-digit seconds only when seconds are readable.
1.01
